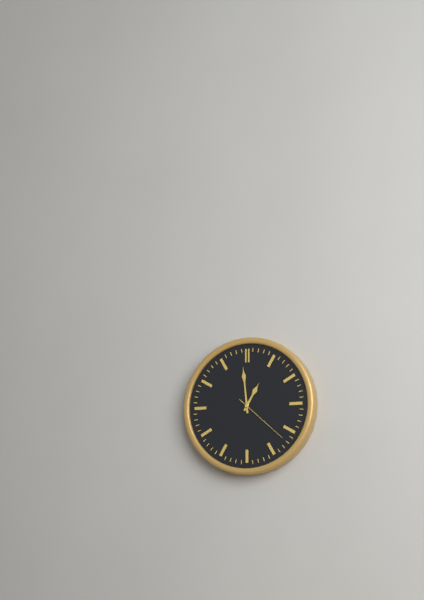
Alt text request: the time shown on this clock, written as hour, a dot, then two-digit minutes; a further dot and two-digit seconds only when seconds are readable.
12.59.22
